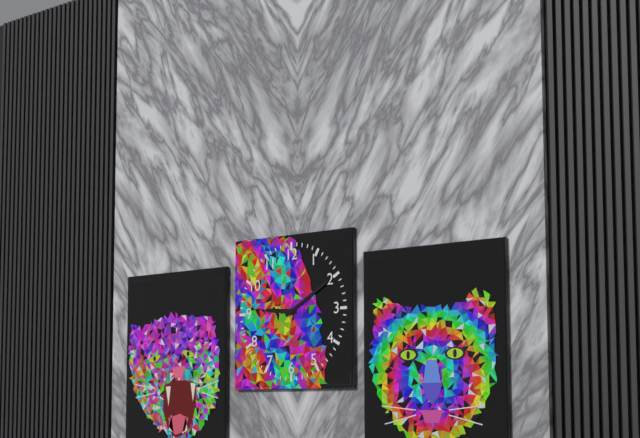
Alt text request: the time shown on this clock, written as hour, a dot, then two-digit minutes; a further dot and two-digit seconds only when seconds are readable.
9.10
